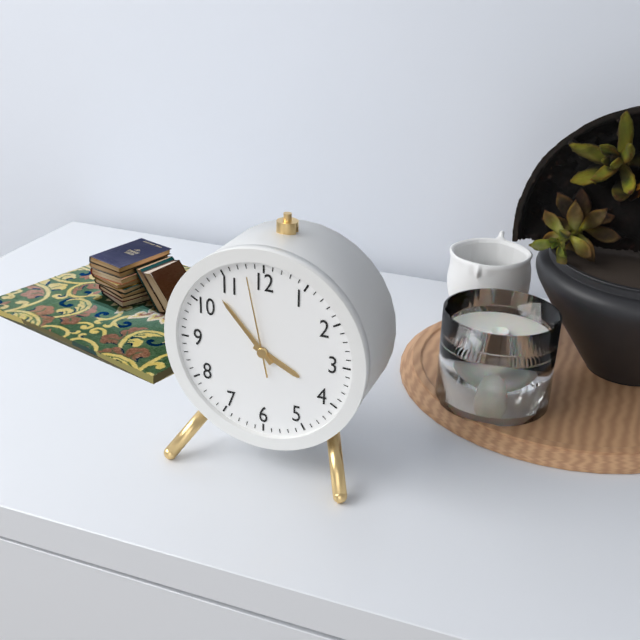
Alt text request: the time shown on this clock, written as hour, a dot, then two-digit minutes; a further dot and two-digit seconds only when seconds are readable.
3.53.58
